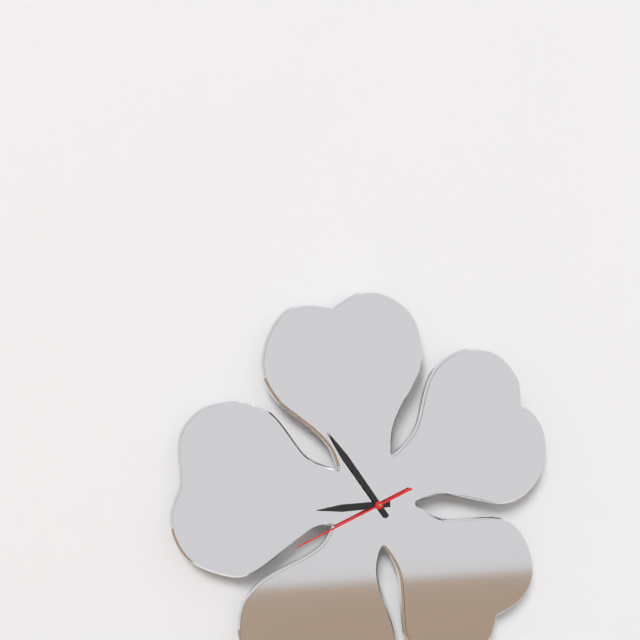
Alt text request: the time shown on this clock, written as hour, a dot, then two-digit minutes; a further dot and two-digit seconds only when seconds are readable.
8.54.41
